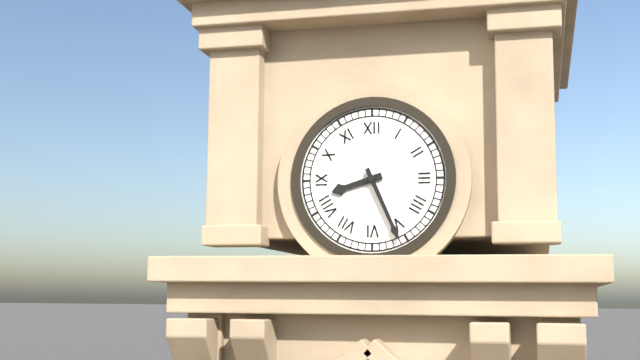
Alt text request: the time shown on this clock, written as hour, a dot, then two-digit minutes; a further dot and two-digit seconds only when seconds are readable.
8.26
